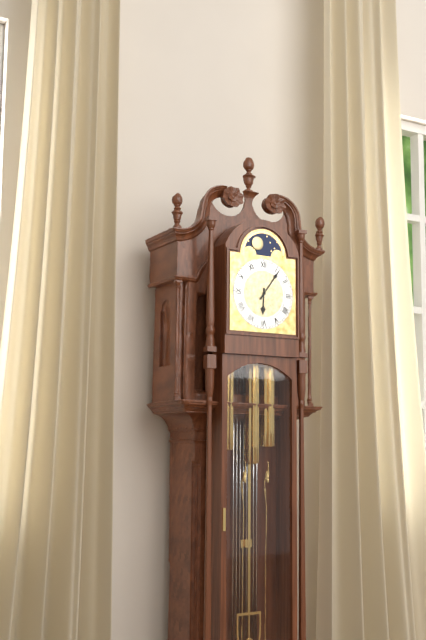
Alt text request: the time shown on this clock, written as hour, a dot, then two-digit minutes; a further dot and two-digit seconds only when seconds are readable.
6.06
